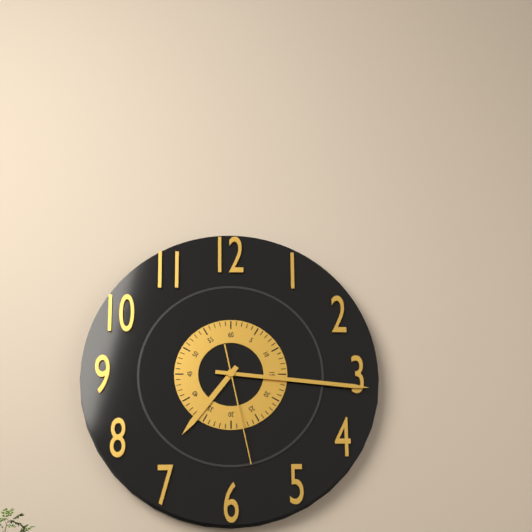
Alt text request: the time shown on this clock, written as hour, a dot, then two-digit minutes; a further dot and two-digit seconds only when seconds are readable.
7.16.28
